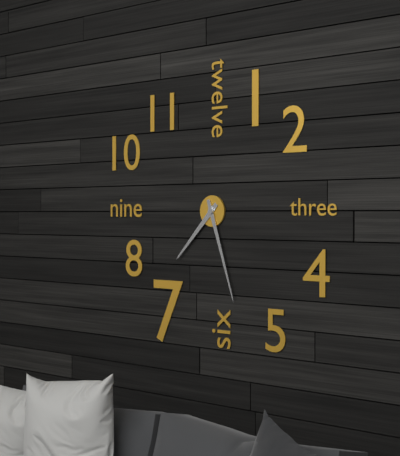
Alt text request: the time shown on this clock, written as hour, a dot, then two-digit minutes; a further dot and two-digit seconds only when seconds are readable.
7.27
